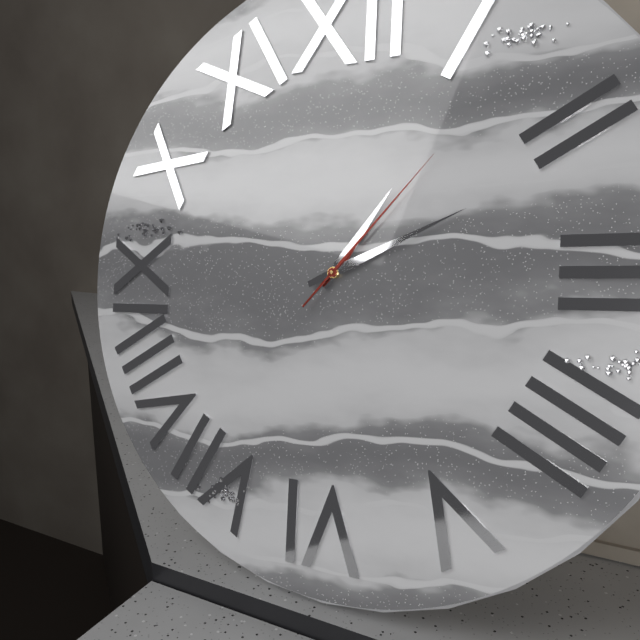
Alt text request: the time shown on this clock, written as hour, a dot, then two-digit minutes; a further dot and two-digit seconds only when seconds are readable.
1.11.07
